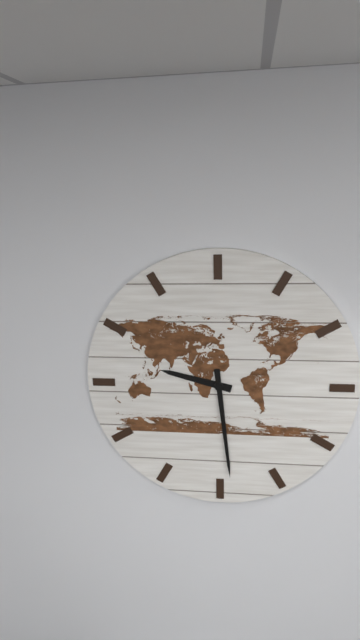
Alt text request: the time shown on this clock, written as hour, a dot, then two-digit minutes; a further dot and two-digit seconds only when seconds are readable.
9.29
